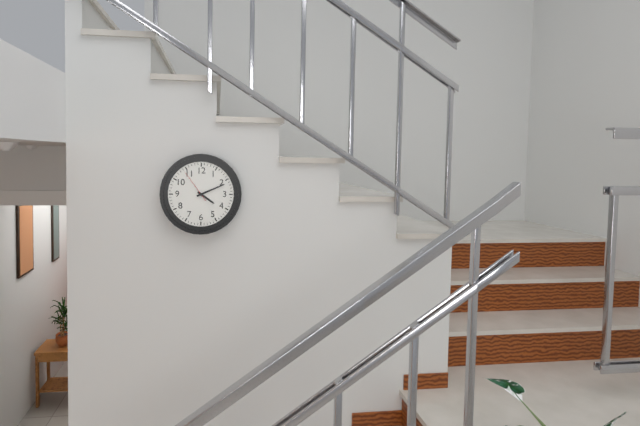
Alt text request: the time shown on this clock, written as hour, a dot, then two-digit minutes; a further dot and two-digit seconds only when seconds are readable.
4.11
